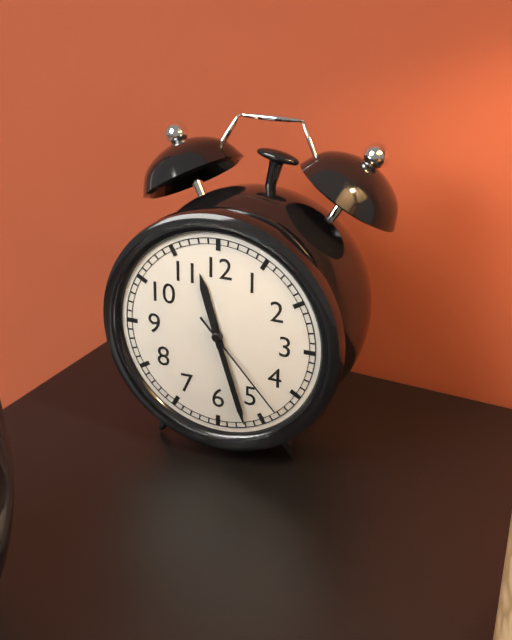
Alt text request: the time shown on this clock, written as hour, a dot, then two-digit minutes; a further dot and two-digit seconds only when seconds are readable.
11.27.23
